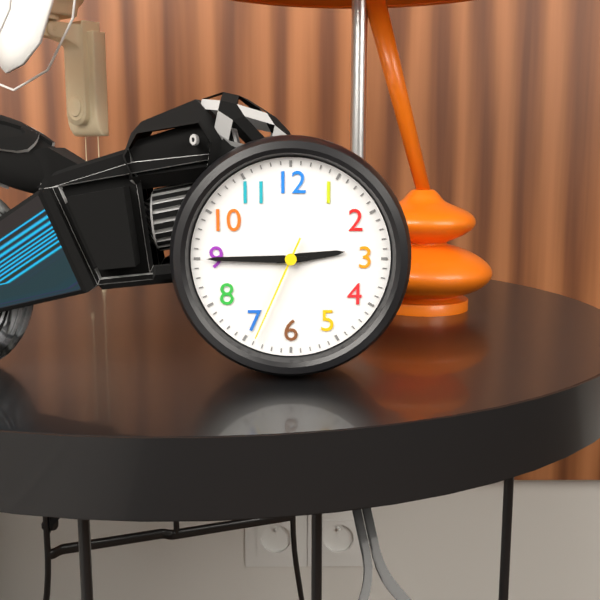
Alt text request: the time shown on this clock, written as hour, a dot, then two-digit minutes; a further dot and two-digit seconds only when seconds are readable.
2.45.34
